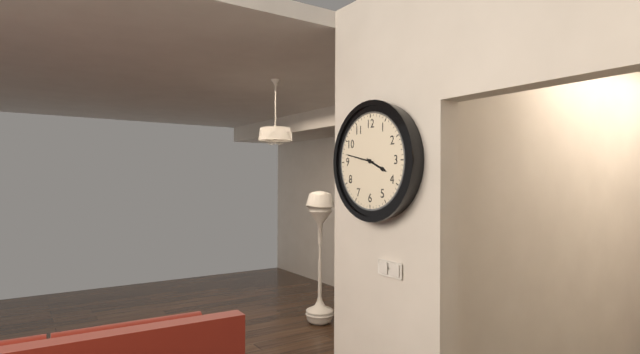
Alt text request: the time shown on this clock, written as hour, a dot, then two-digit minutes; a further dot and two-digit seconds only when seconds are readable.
3.47
